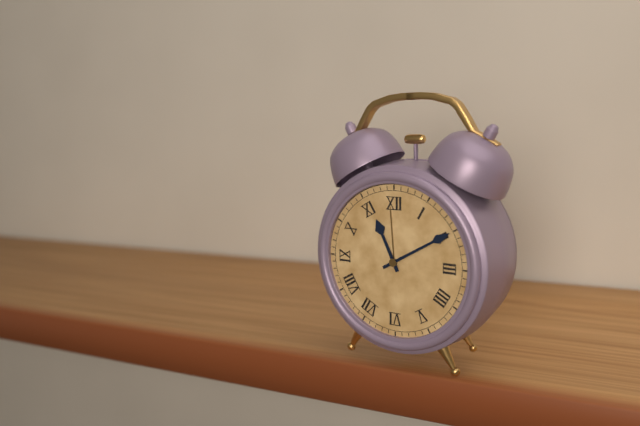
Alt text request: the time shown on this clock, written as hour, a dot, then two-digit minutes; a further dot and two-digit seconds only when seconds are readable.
11.10
